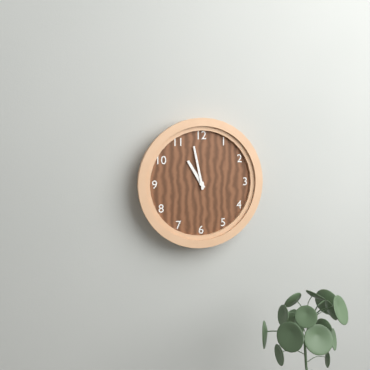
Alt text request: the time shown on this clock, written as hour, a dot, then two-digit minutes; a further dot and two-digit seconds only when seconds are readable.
10.58
